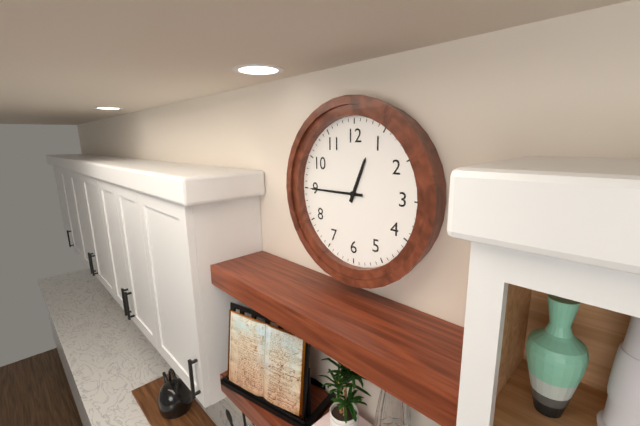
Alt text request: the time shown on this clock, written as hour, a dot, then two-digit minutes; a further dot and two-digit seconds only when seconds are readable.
12.45
